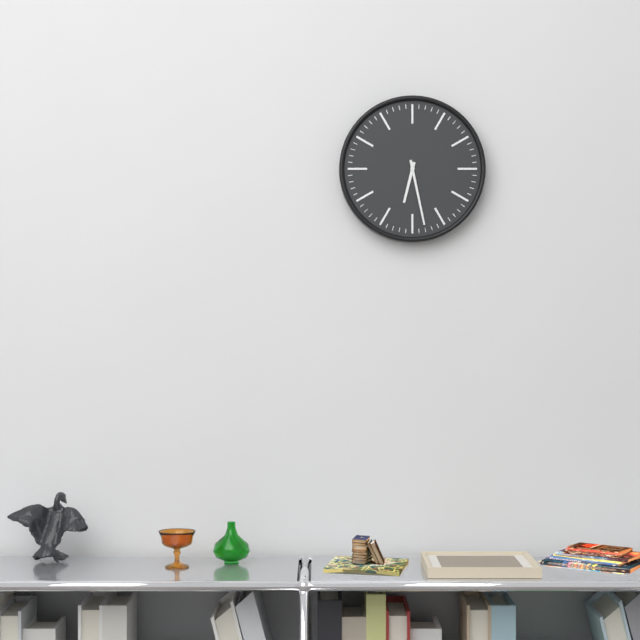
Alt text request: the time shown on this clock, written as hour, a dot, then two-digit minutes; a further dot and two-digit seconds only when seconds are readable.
6.28
